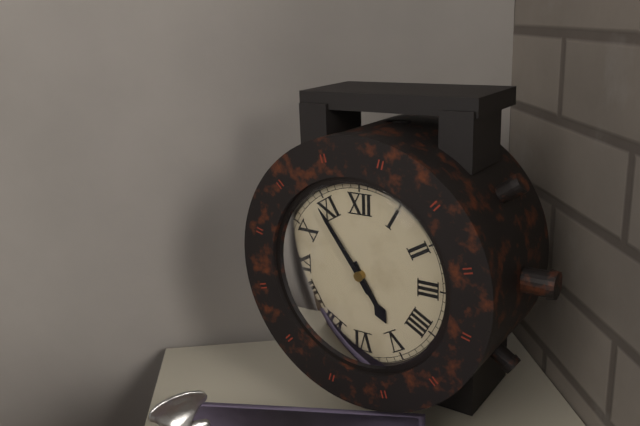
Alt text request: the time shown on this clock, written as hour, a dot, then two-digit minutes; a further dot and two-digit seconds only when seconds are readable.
4.54
